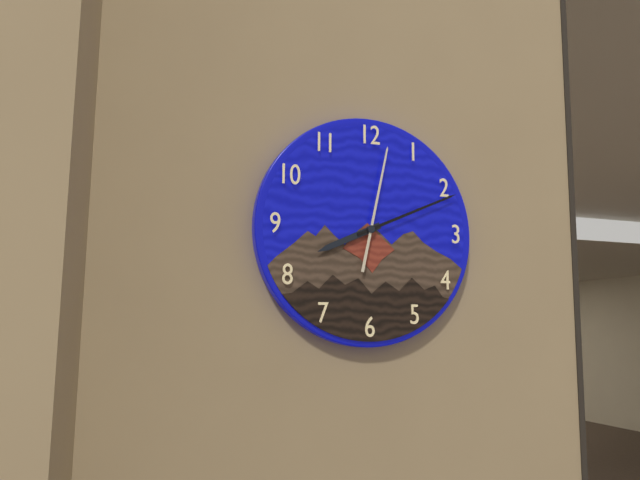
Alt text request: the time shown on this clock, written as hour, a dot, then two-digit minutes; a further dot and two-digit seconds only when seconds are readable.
8.11.02
